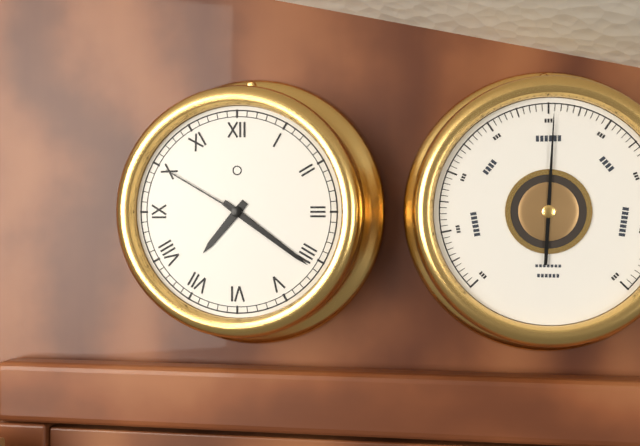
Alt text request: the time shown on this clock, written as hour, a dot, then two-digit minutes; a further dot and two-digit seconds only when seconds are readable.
7.21.50
